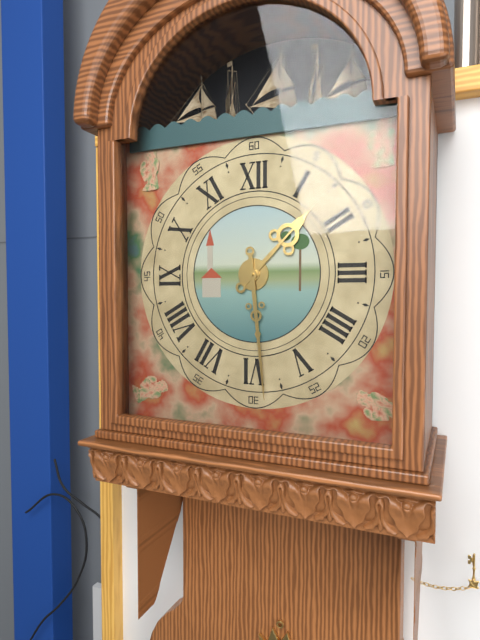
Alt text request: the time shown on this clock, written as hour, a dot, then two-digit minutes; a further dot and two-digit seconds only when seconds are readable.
1.29
